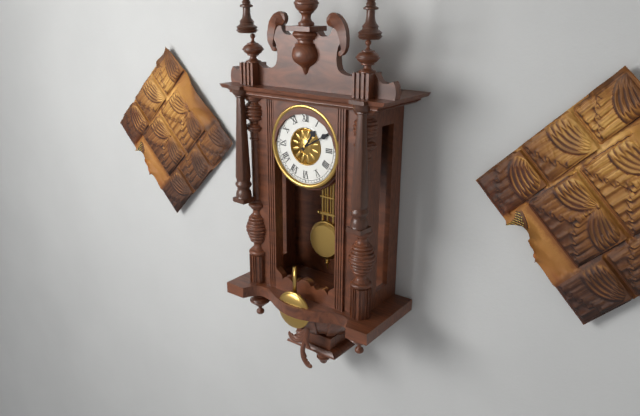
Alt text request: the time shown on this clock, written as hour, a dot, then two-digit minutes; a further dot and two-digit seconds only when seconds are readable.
1.10
